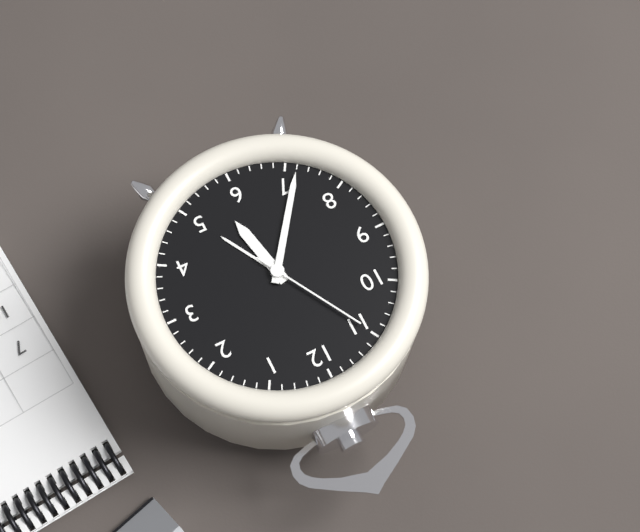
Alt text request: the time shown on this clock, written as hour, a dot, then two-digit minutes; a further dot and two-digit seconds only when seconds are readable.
5.36.55
